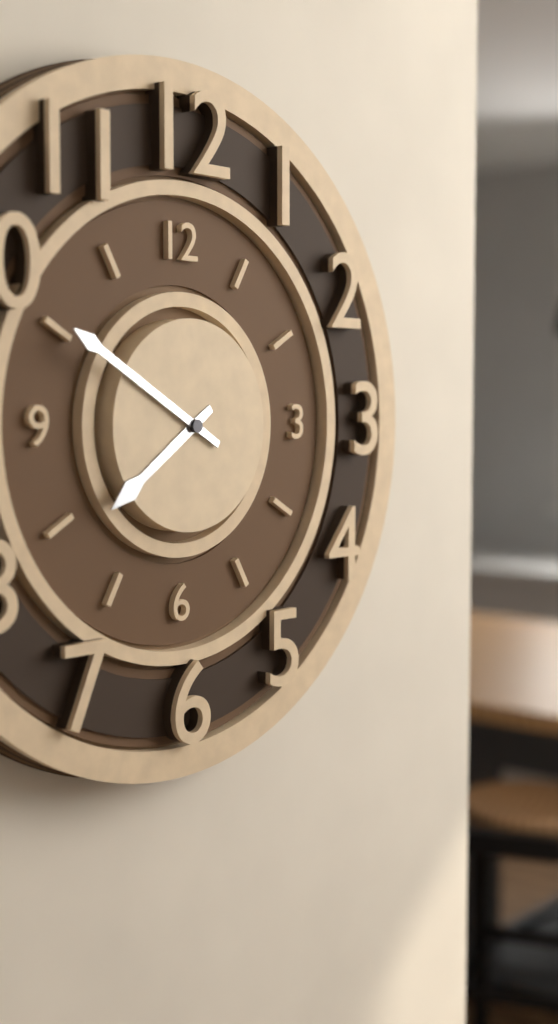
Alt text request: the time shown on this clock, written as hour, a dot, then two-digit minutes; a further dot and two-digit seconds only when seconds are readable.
7.50
